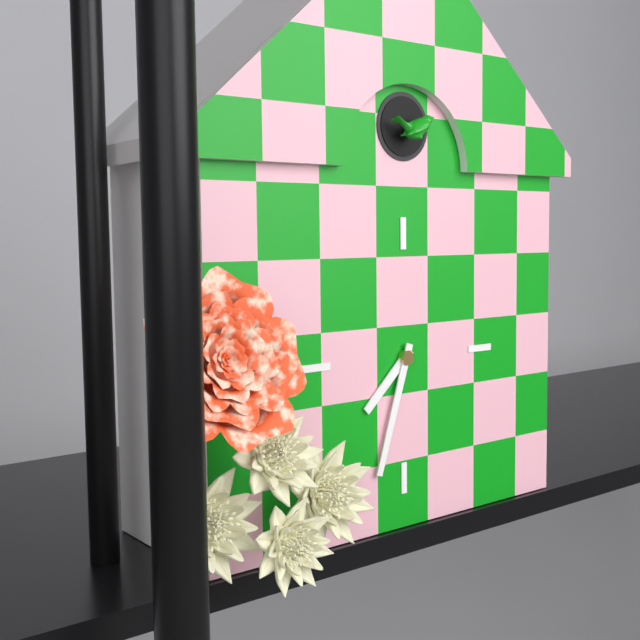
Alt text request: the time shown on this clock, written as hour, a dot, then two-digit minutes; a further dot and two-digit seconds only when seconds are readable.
7.33
